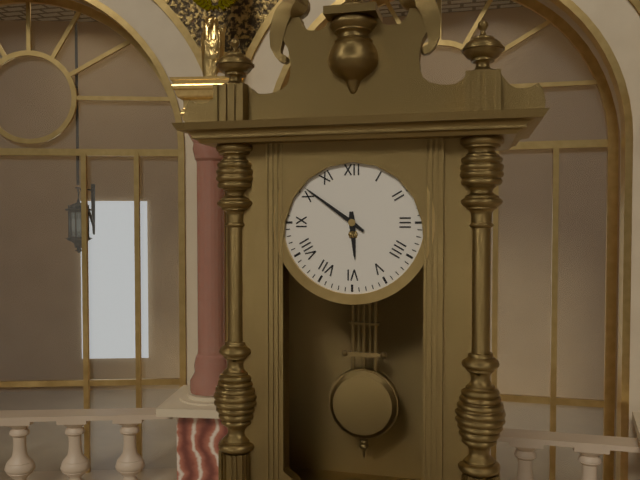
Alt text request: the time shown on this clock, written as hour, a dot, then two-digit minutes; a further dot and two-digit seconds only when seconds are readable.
5.51
